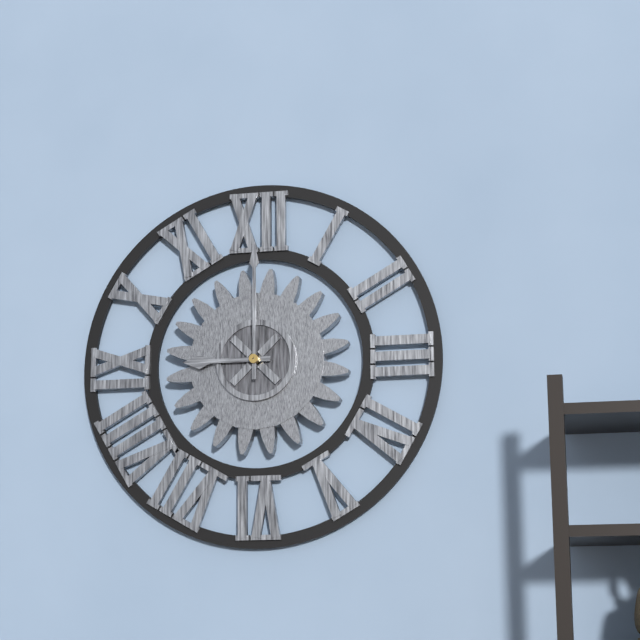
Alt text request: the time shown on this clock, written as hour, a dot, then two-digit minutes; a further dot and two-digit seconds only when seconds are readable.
9.00
